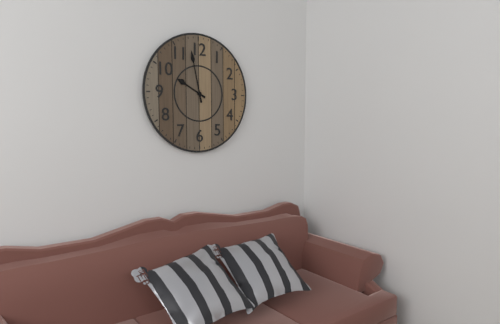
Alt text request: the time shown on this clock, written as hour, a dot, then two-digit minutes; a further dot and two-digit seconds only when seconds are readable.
9.58
